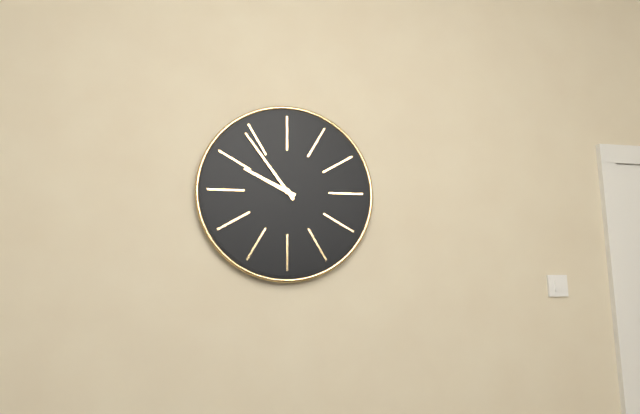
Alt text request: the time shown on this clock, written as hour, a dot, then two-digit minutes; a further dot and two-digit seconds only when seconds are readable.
9.54
